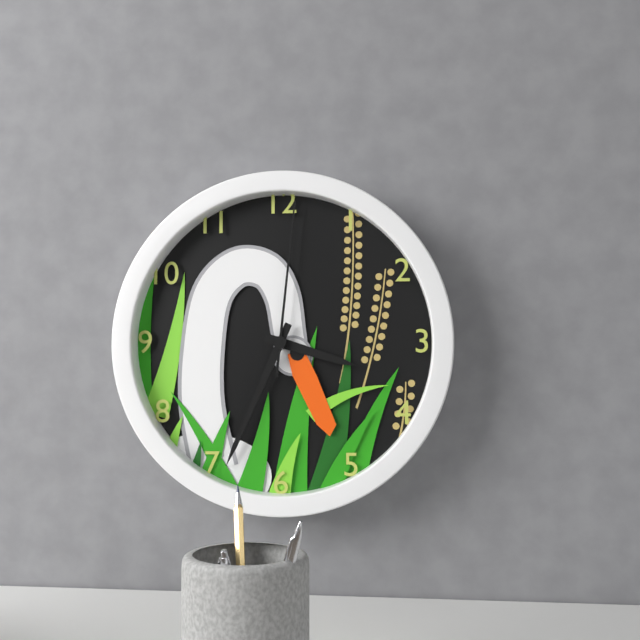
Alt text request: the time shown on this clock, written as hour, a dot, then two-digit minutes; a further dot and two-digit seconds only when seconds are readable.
3.34.01
